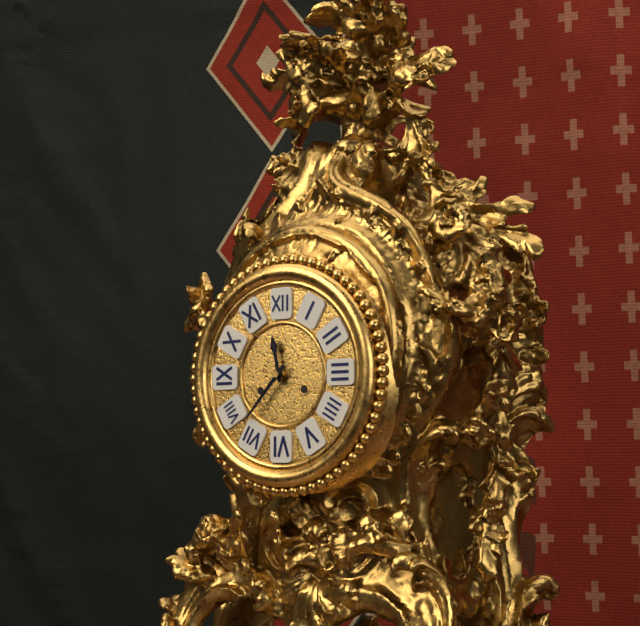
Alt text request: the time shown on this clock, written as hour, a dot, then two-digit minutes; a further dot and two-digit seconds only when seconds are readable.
11.37
